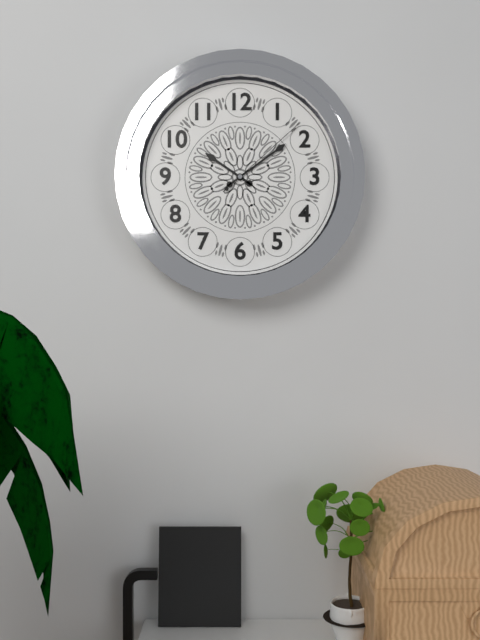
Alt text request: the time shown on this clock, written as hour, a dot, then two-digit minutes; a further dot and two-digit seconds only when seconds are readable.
10.09.08
